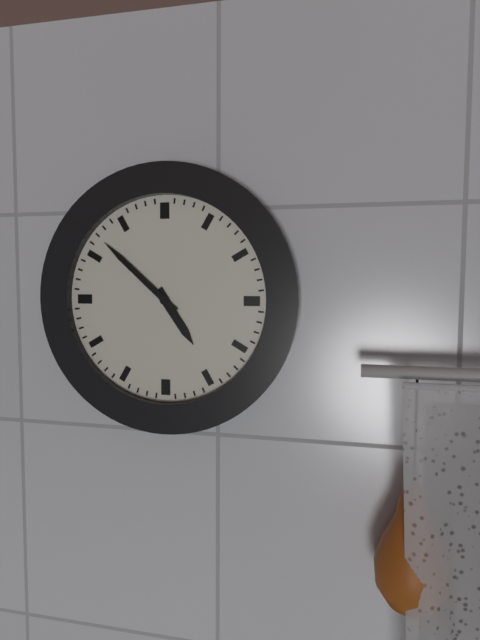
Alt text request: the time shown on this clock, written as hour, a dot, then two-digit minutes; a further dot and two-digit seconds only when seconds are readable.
4.52
